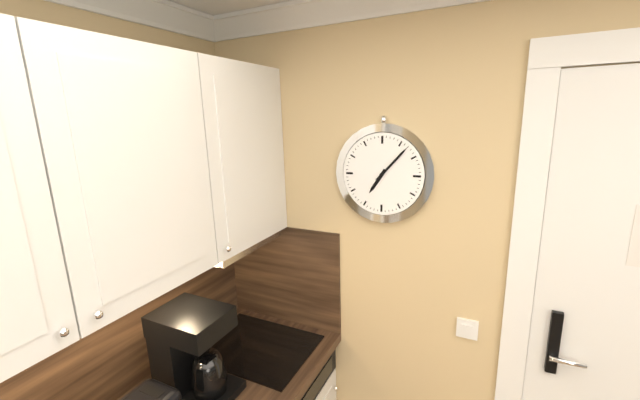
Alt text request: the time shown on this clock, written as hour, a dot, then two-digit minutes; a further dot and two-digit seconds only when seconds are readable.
7.07
